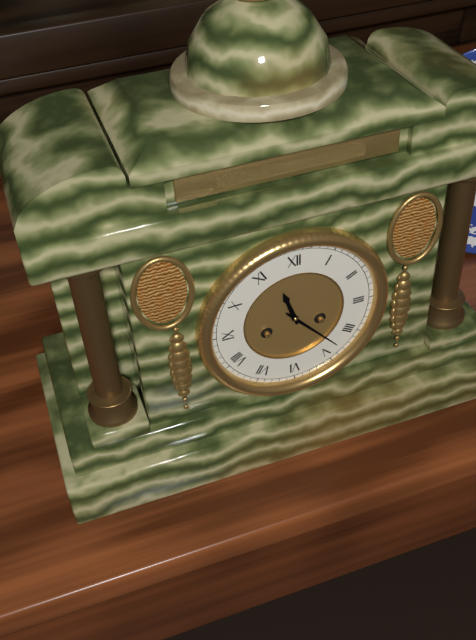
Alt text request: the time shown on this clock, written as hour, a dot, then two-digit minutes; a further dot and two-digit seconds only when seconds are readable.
11.23
